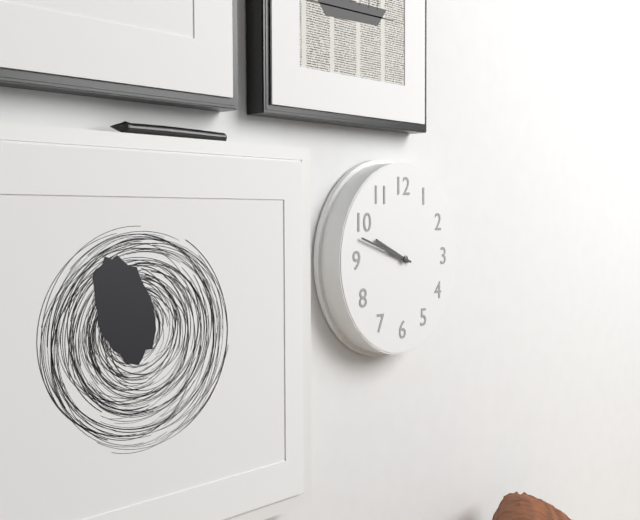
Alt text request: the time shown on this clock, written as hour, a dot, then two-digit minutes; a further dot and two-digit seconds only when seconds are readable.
9.48
